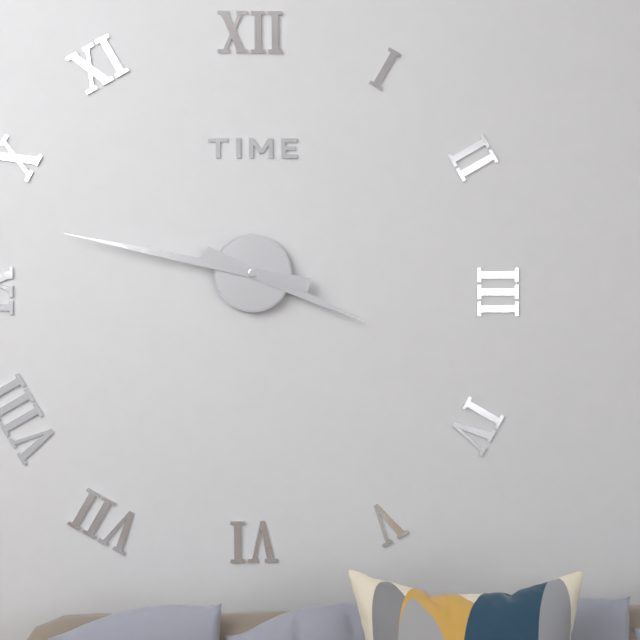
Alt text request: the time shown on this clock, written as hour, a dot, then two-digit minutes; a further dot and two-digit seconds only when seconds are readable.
3.47
